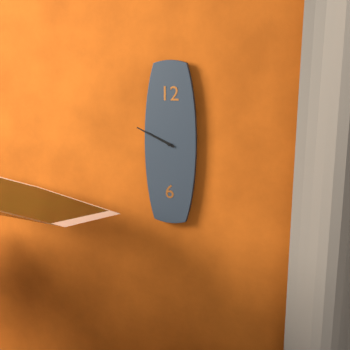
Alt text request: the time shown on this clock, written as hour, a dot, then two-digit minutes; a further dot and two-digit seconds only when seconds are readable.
9.49
